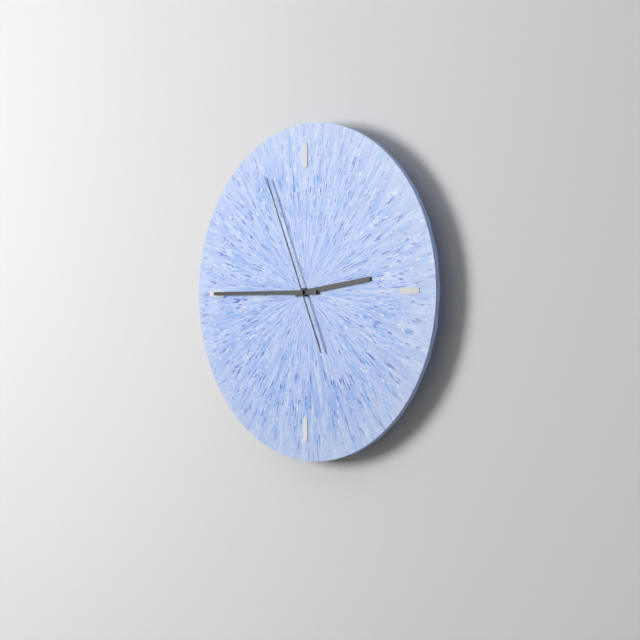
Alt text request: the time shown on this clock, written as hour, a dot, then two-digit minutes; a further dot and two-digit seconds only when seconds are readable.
2.45.56
